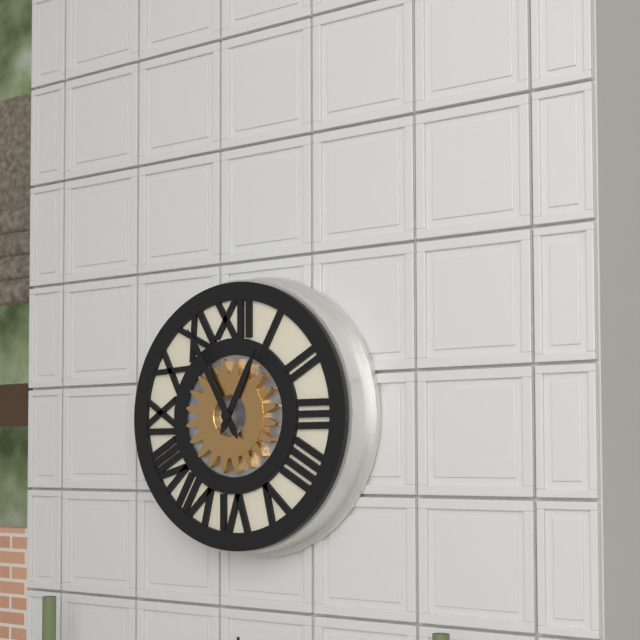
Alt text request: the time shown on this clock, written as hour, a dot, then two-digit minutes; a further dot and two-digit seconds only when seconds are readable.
12.55
